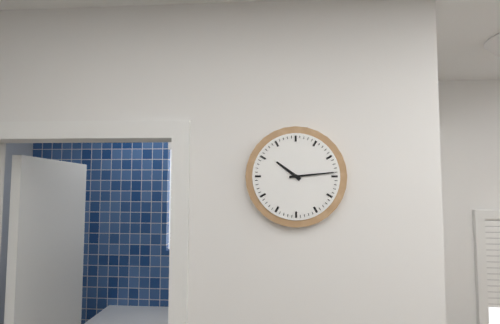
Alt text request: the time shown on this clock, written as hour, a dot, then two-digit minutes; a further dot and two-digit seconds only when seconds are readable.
10.14
